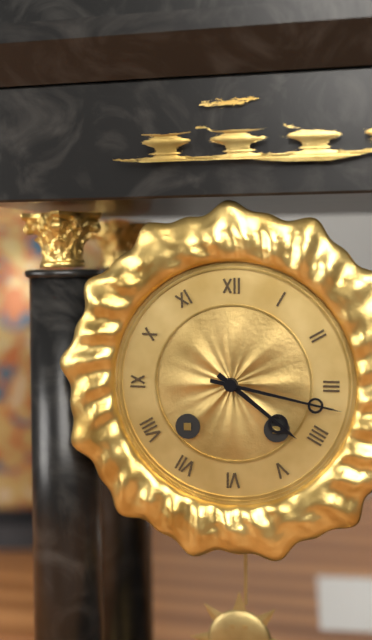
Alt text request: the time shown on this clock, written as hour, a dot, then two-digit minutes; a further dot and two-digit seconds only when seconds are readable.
4.17
